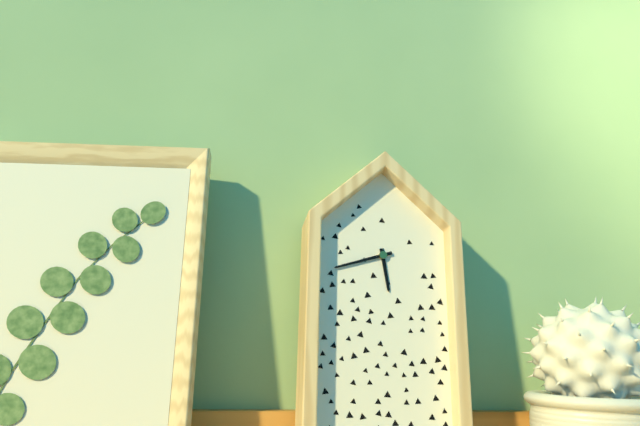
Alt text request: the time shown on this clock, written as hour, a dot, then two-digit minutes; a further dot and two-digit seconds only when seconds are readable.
5.42
